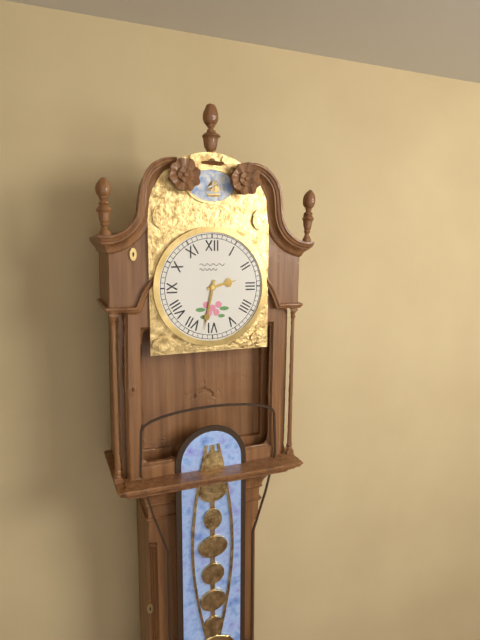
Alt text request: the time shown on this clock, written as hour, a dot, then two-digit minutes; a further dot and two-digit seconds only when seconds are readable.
2.32
